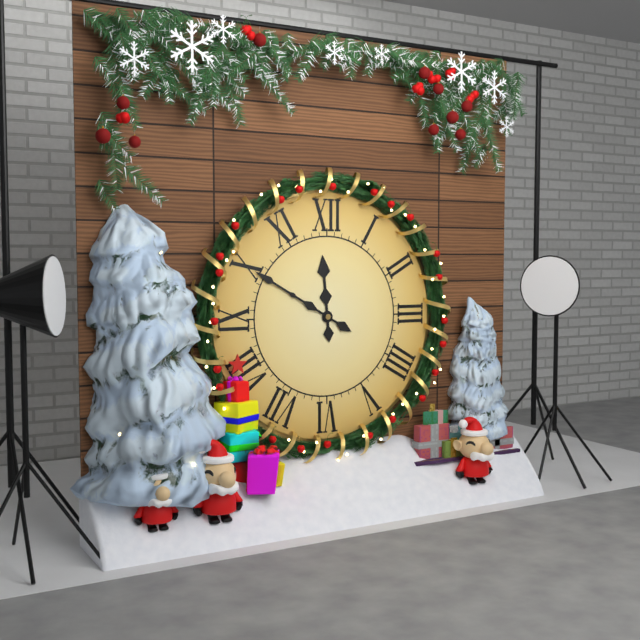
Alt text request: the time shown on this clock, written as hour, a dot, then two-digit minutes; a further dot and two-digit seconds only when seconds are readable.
11.50
